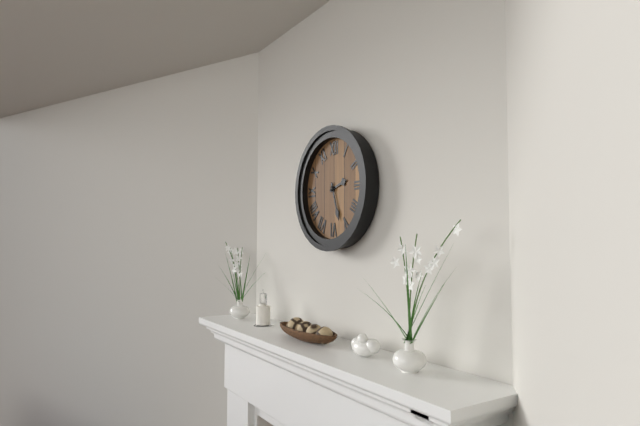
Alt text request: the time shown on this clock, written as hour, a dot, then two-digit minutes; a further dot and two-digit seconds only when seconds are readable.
2.27
